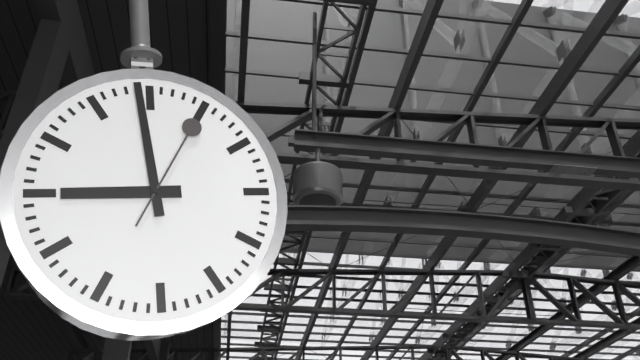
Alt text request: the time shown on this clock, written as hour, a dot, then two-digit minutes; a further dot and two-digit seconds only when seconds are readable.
8.59.05
